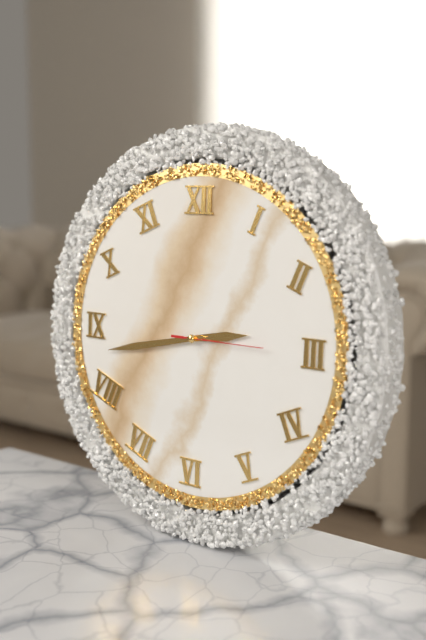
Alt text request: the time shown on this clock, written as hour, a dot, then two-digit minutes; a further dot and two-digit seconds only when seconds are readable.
2.43.15
